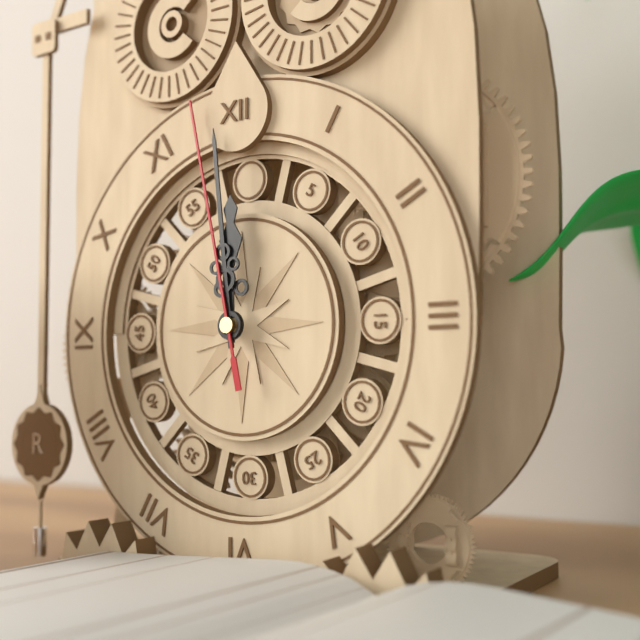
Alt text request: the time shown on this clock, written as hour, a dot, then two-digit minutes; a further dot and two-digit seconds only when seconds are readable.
11.59.58
